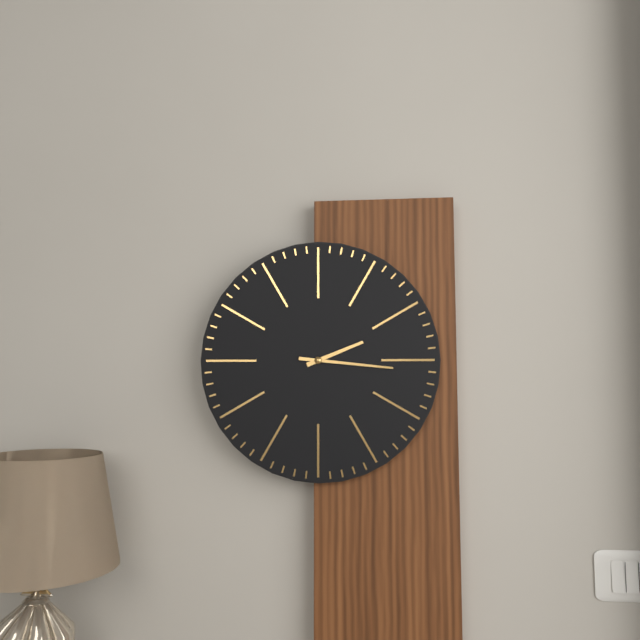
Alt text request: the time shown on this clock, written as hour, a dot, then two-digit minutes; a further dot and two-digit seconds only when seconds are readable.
2.16
